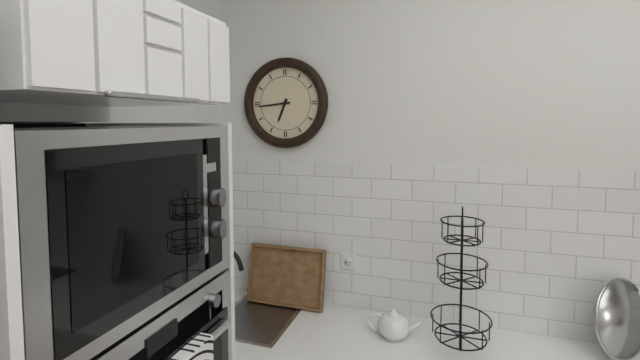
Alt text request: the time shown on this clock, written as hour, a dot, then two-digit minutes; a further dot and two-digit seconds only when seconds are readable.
6.44
